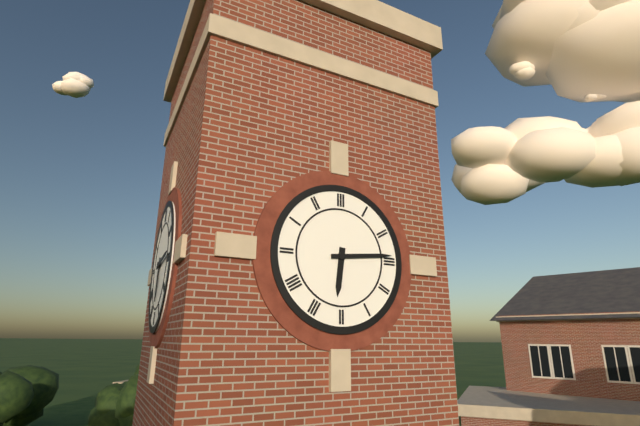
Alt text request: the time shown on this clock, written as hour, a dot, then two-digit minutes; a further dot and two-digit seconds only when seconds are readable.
6.14
